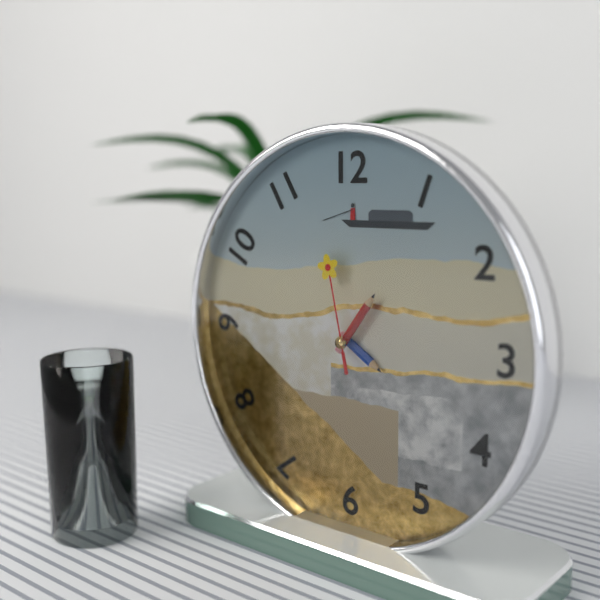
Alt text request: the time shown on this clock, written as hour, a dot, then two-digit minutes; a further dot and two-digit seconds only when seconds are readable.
4.06.58
